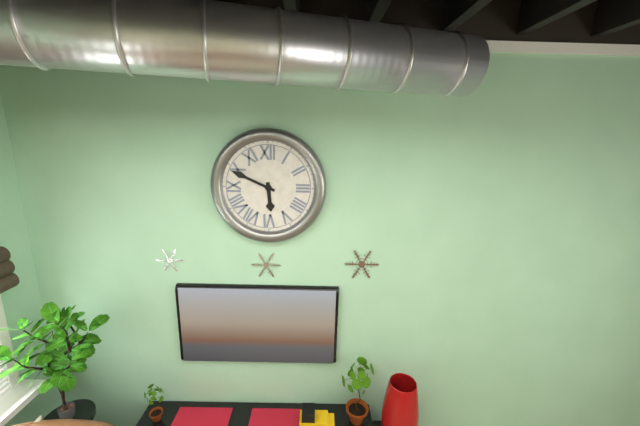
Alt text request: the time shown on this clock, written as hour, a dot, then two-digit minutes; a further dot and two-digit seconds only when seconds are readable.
5.49
